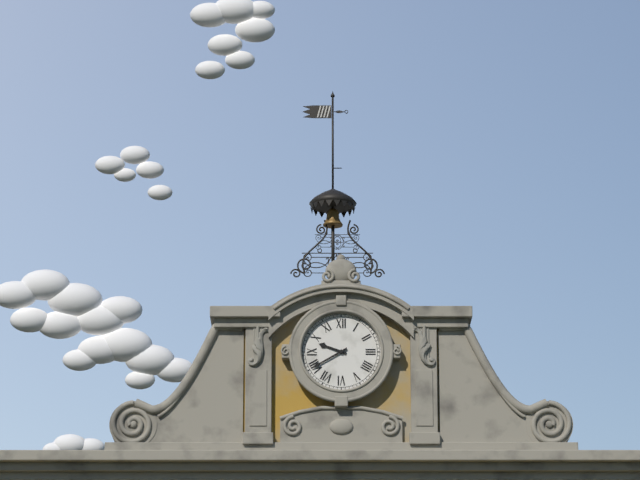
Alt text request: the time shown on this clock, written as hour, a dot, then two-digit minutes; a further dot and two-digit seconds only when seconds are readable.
9.40
